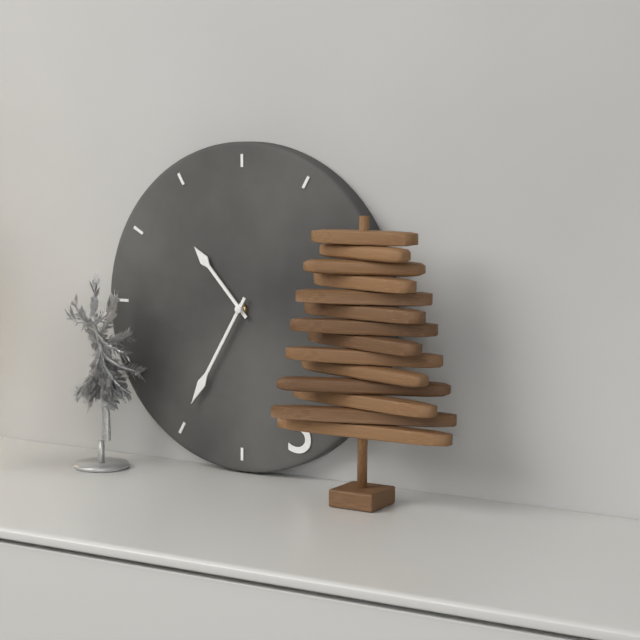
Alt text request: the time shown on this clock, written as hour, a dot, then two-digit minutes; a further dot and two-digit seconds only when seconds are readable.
10.35
